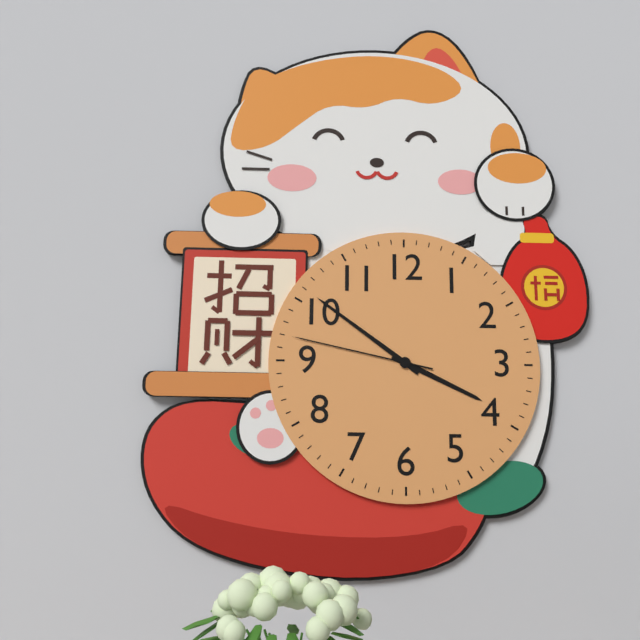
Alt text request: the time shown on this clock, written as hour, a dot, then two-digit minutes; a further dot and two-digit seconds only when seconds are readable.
3.51.47
